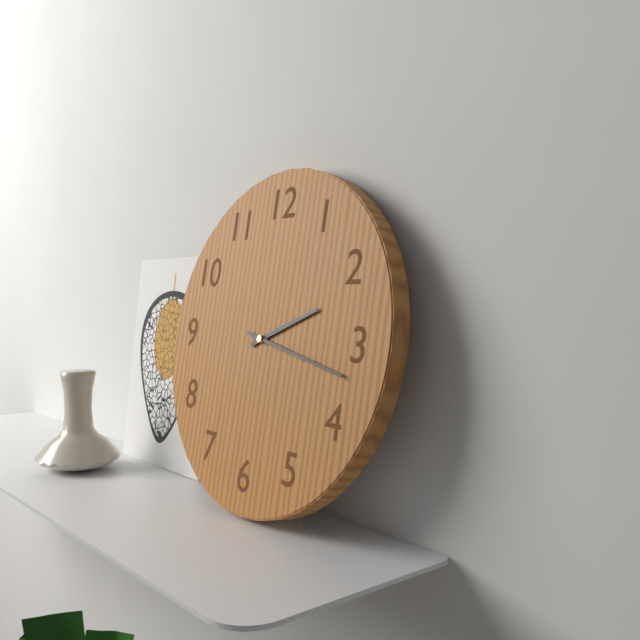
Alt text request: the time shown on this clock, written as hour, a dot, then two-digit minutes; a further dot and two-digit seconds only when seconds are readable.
2.17
